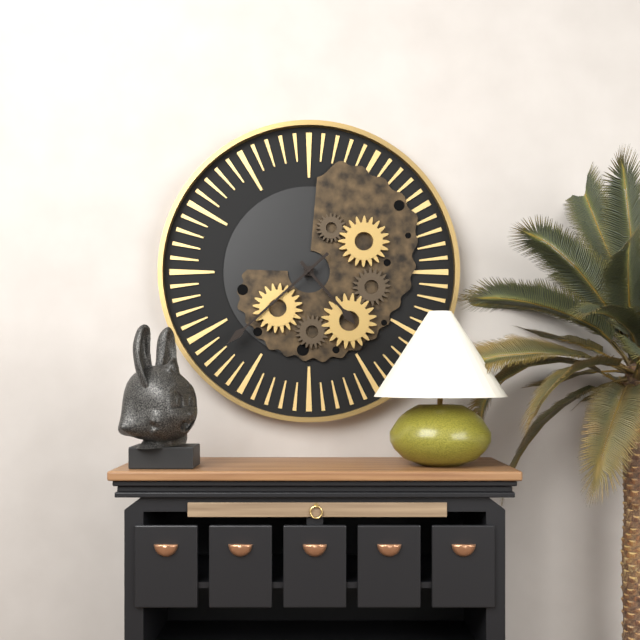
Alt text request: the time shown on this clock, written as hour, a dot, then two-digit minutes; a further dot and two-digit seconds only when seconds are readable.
4.38
